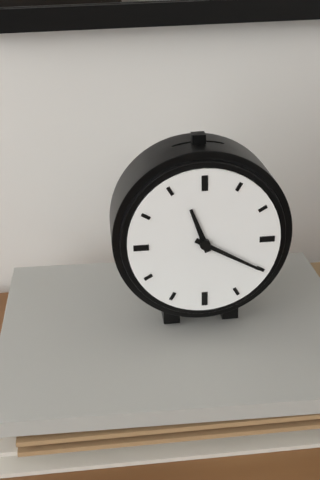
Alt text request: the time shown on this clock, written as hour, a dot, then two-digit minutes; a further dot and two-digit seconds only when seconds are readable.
11.20
